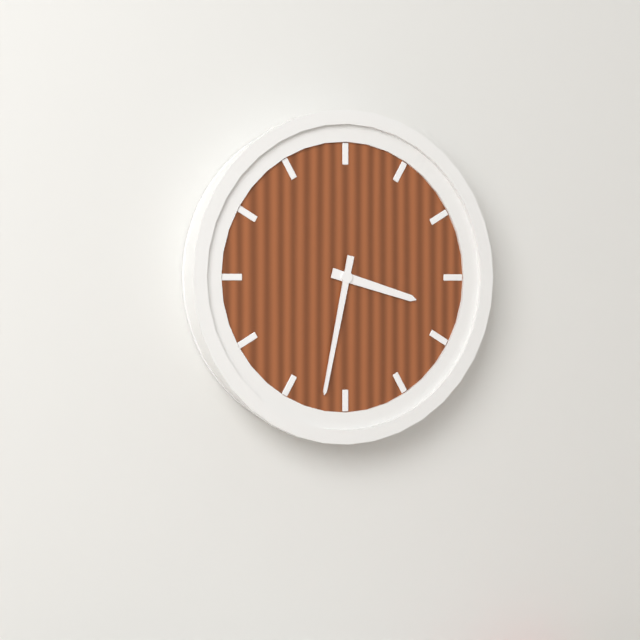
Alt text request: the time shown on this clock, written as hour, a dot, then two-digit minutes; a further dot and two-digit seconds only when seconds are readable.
3.32
